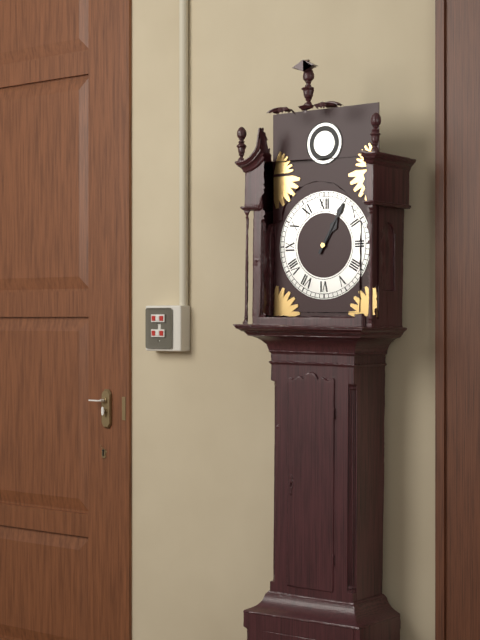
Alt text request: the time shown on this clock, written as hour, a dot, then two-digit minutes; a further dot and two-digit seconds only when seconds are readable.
1.05
